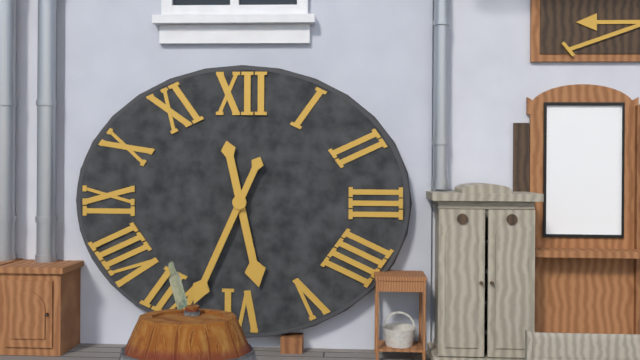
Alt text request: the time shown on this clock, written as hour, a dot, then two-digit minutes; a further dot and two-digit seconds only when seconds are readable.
5.34
